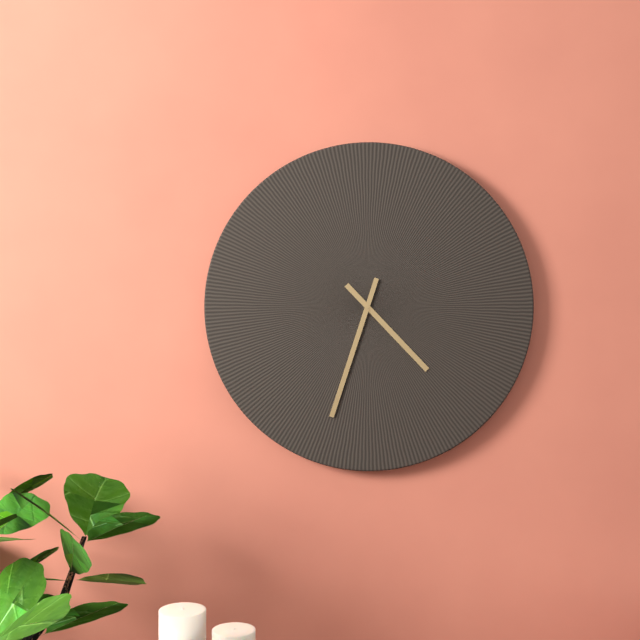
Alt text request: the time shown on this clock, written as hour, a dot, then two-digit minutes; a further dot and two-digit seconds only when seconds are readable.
4.33
